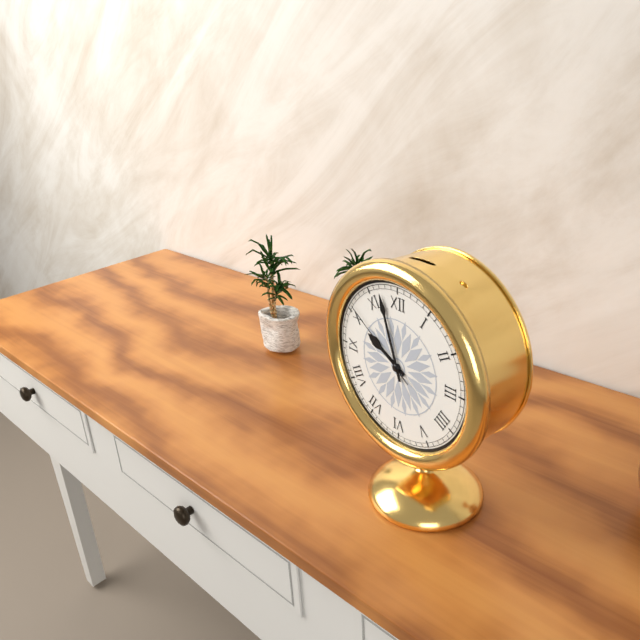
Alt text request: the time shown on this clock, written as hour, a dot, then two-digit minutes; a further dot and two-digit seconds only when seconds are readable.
9.57.51
